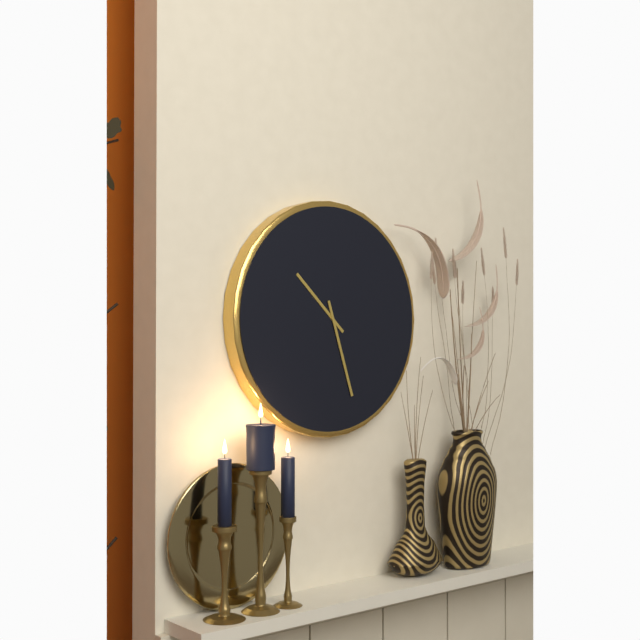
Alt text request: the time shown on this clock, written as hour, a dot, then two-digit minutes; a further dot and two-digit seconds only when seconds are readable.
10.27
